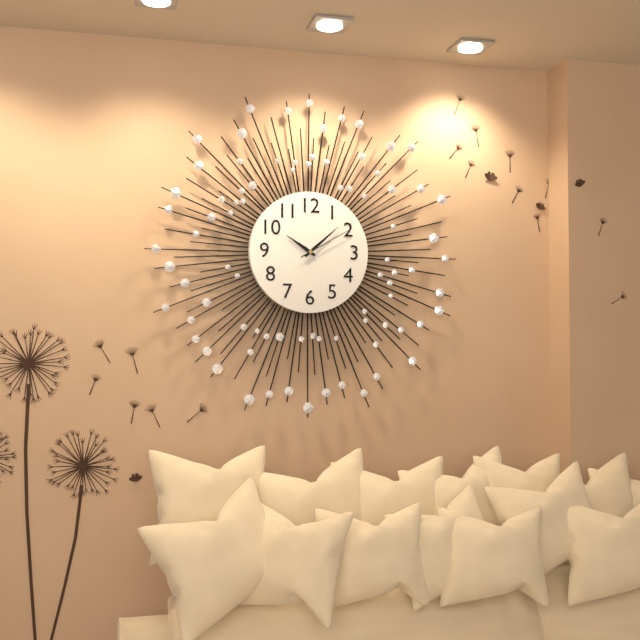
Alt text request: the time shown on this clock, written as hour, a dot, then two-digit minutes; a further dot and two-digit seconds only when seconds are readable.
10.08.10
